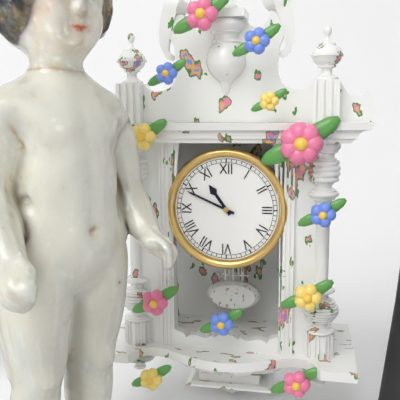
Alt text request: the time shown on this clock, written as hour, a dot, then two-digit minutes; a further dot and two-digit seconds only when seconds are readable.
10.49
